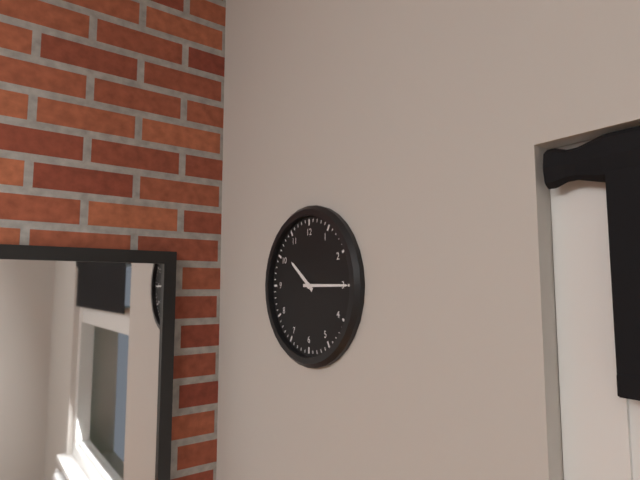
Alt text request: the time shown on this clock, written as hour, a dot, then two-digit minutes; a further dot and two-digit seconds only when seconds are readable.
10.15
